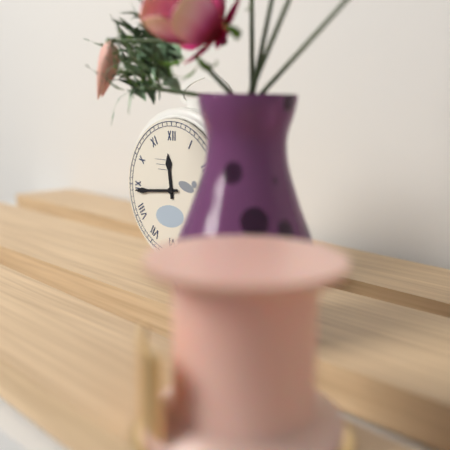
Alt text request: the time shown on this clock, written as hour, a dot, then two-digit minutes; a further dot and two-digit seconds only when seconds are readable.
11.44
